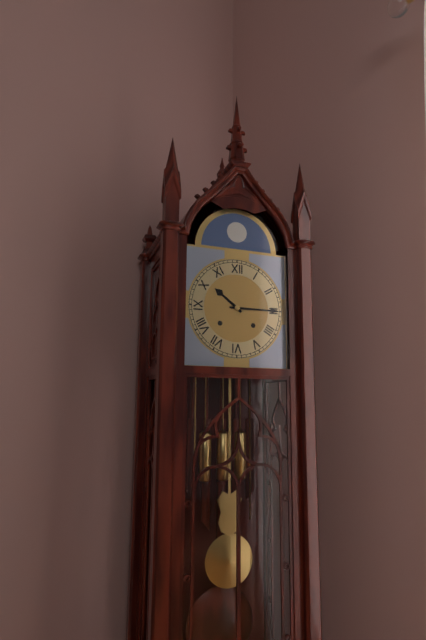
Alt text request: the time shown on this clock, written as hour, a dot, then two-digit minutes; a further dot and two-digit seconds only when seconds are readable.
10.15
